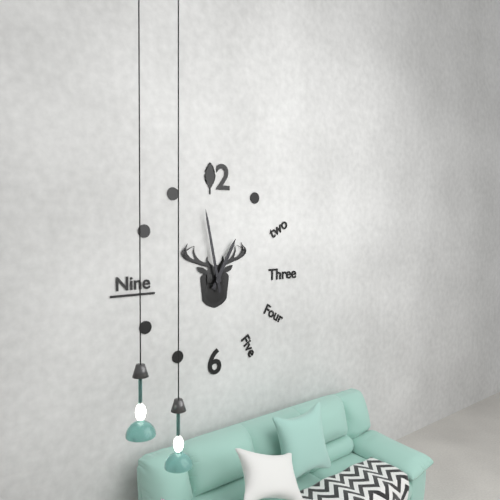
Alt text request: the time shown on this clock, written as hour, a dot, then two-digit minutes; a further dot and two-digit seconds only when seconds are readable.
12.58
